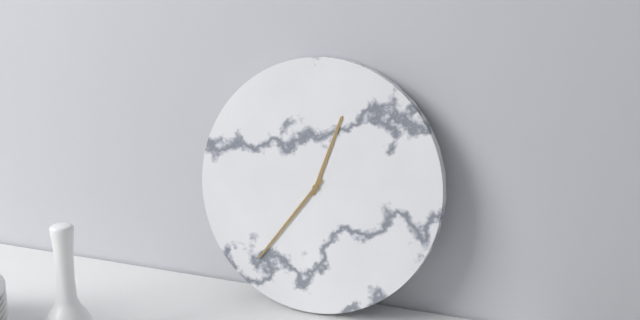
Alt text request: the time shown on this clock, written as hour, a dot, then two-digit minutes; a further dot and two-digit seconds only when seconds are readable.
12.36
